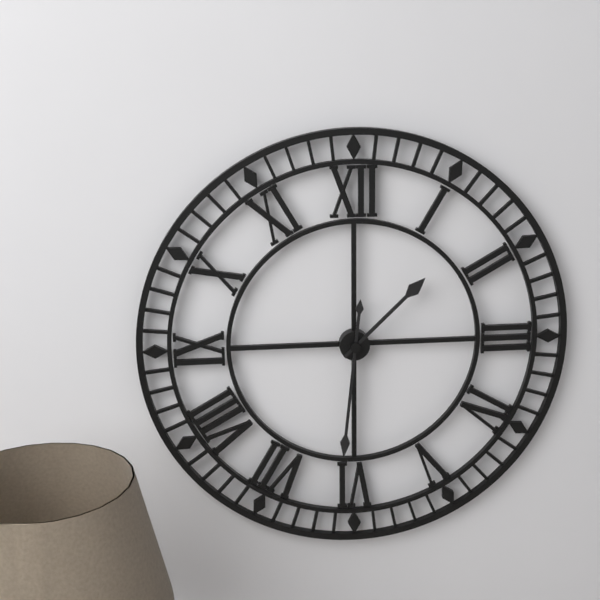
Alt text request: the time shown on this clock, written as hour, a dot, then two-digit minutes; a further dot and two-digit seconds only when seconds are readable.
1.31
